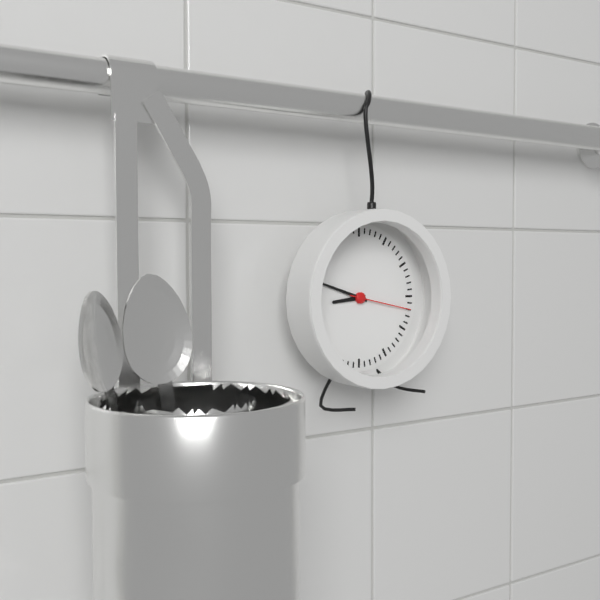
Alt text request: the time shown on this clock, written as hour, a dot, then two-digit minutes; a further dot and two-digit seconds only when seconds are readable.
8.48.17
